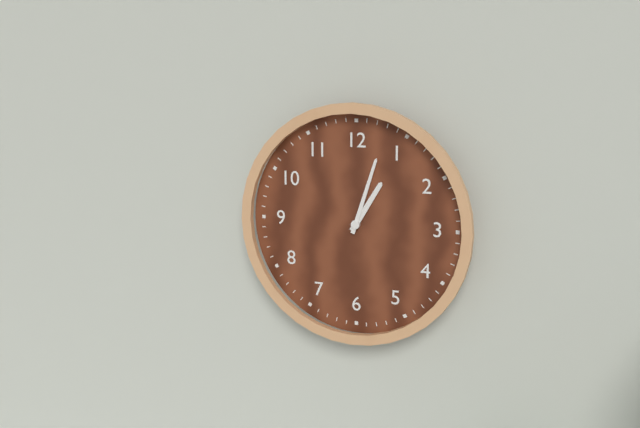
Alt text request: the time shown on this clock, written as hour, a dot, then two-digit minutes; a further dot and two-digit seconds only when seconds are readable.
1.03
